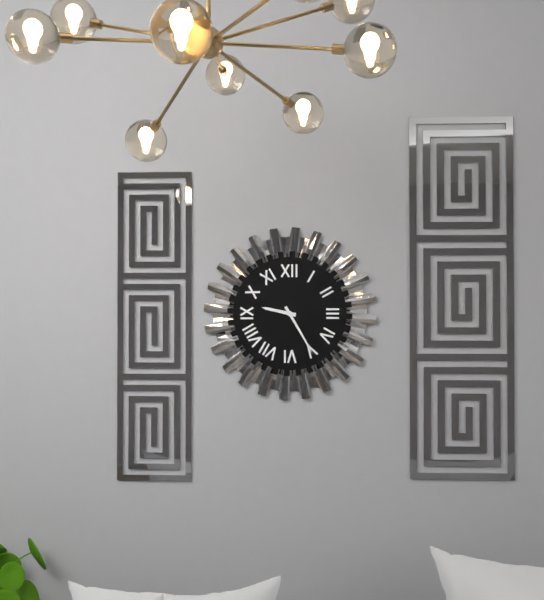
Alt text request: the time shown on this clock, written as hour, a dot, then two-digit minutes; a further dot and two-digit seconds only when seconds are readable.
9.25
